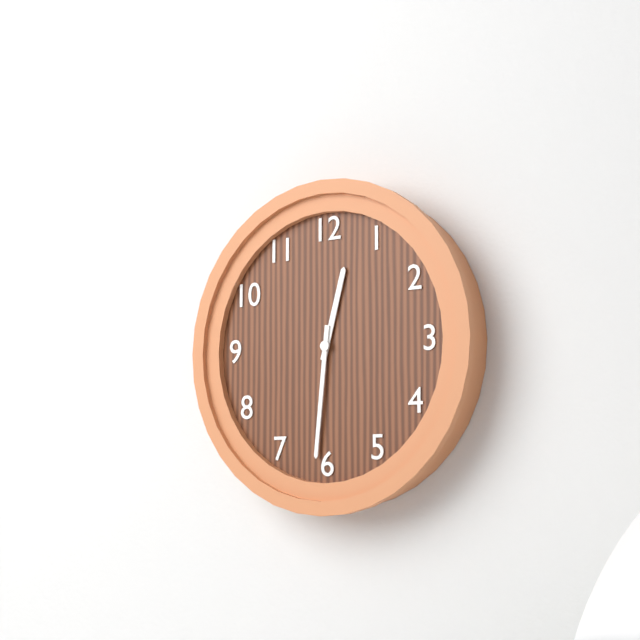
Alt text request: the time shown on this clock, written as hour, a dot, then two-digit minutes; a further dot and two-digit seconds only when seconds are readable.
12.31
